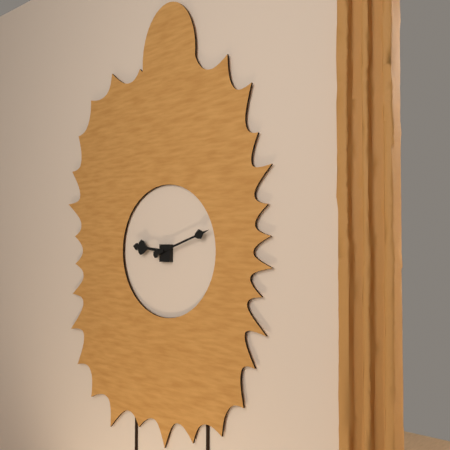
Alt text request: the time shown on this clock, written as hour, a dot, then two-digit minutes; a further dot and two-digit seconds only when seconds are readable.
9.12
